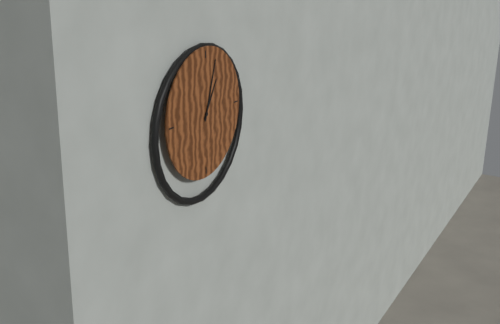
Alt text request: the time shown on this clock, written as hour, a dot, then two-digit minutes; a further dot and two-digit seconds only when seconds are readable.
1.03
